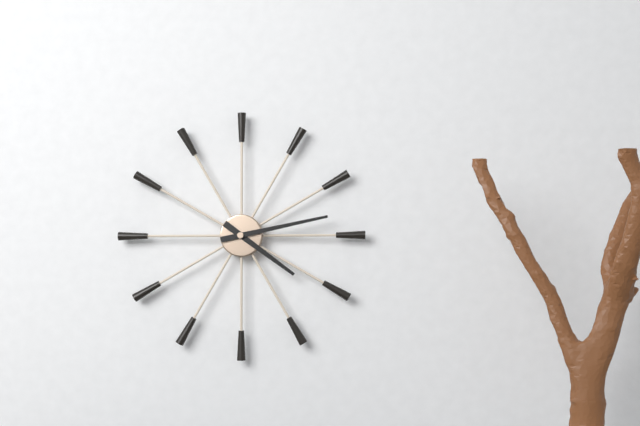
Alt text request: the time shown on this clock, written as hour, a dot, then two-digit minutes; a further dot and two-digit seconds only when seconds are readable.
4.13
